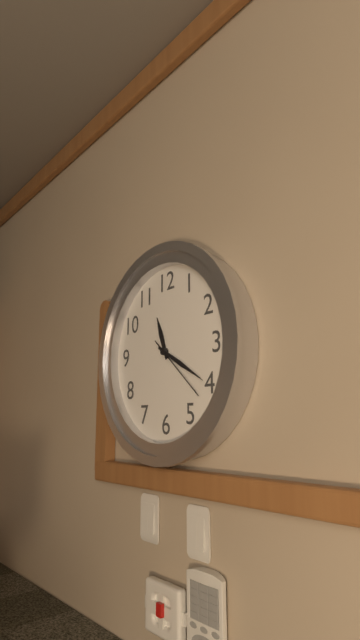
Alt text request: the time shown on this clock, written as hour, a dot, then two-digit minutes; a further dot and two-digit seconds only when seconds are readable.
11.20.22
